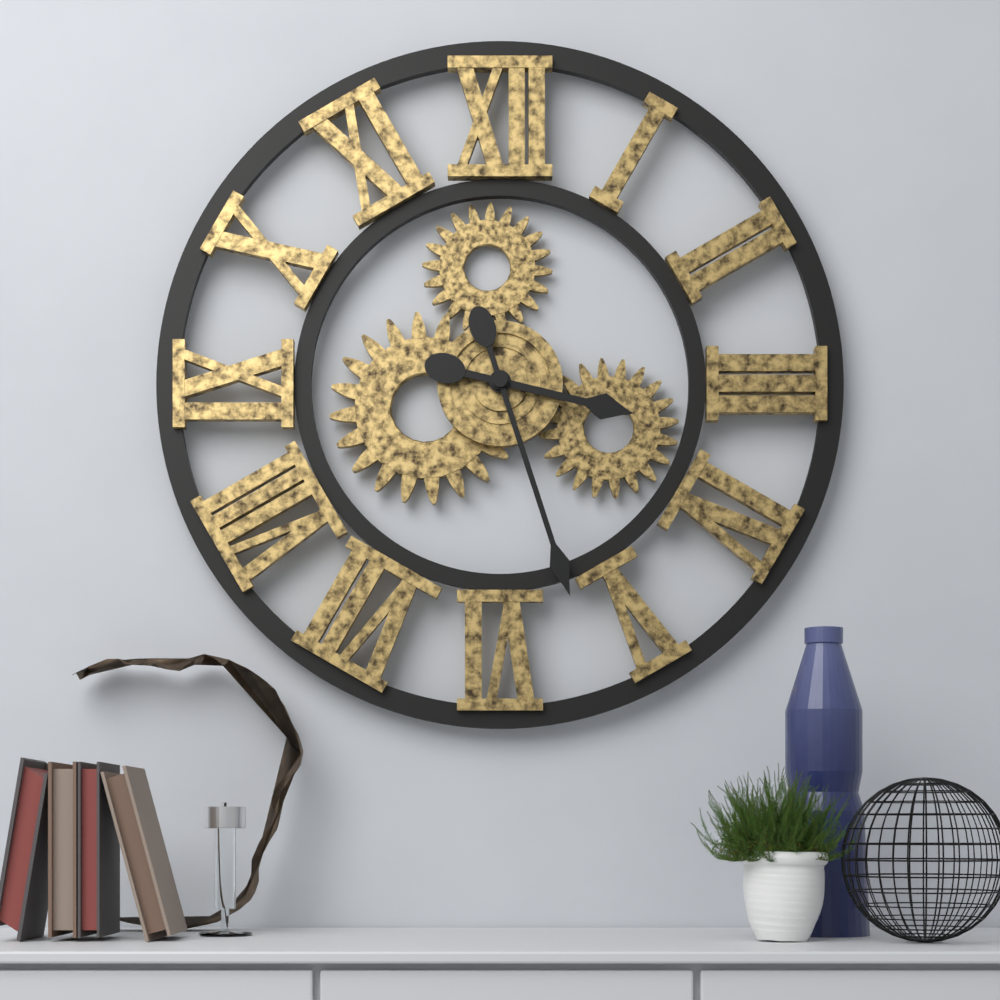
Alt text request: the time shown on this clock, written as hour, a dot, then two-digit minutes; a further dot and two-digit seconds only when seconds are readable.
3.27
